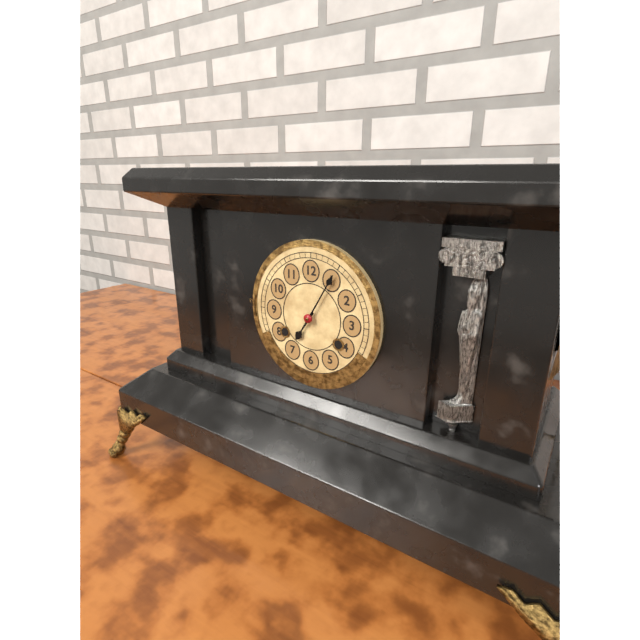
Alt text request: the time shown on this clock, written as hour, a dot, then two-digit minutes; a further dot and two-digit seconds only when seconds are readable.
7.05
